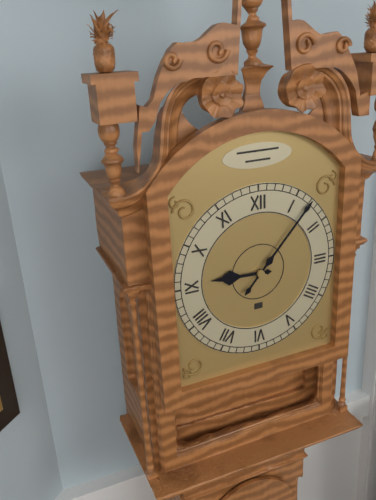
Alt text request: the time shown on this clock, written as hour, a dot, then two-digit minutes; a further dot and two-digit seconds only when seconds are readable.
9.07
